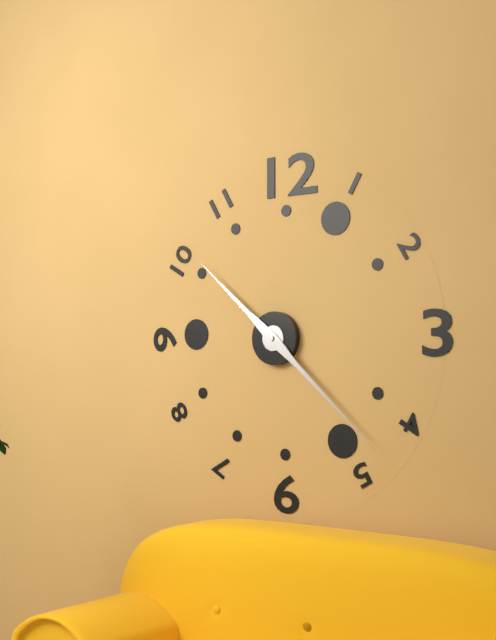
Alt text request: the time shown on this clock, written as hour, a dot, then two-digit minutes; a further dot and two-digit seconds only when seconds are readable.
10.22
